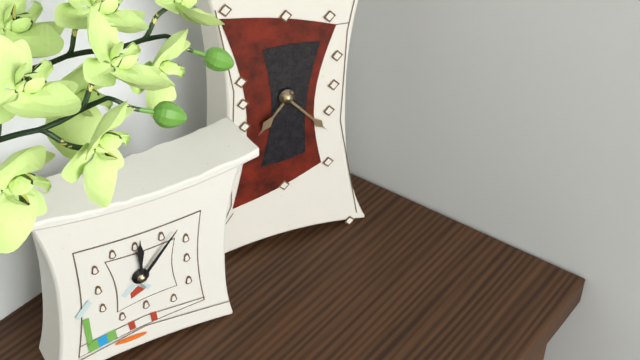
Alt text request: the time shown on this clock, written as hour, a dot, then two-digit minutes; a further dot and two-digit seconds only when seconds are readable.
7.23
